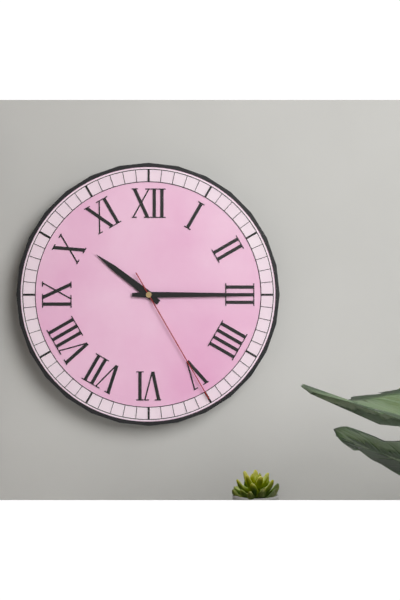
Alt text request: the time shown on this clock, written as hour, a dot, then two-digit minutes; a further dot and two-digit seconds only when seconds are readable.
10.15.25
